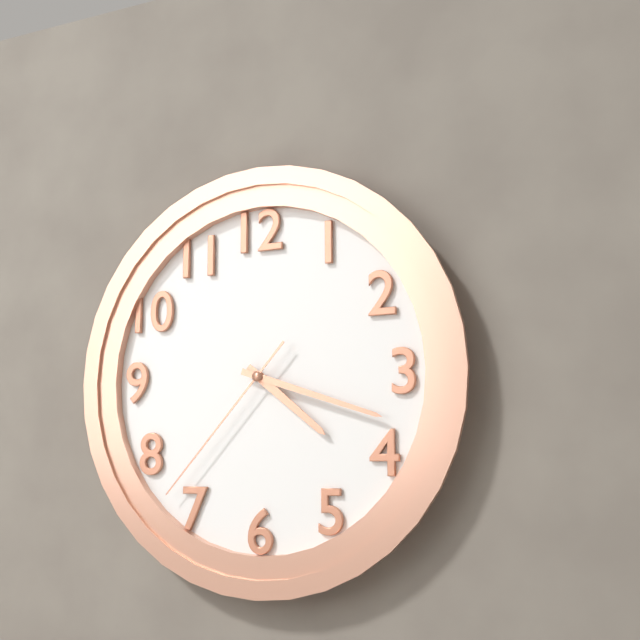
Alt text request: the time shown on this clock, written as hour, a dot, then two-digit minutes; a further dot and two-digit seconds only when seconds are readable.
4.18.37
